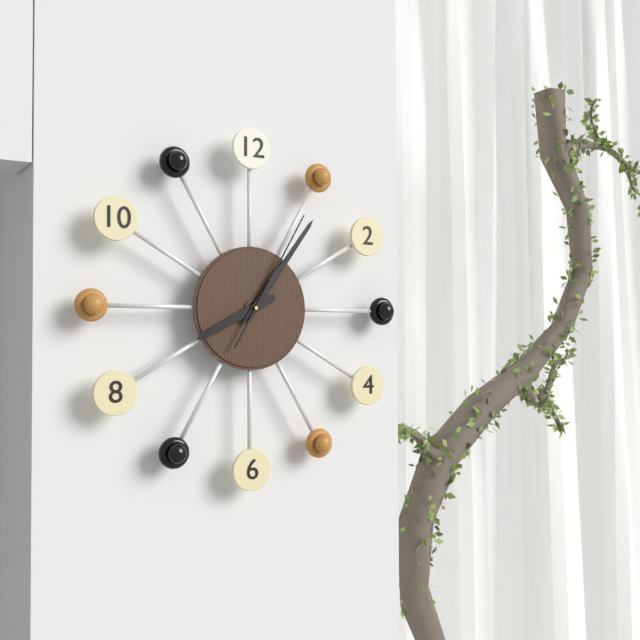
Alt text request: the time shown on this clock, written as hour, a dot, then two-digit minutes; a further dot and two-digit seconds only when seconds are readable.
8.06.05
